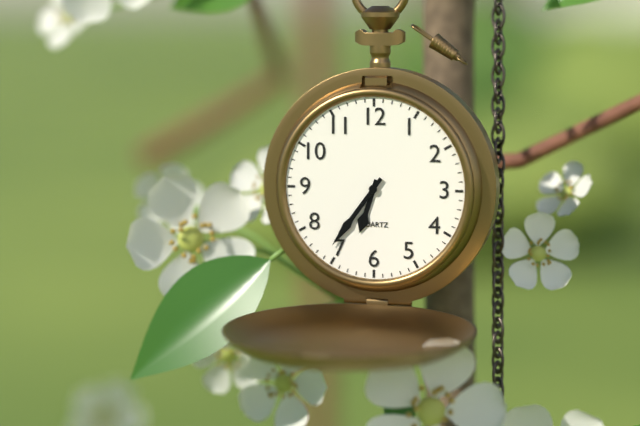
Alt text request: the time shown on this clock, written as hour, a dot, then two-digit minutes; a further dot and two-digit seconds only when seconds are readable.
6.36
